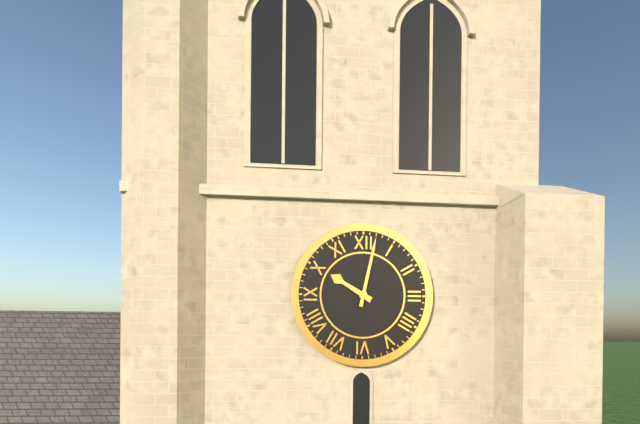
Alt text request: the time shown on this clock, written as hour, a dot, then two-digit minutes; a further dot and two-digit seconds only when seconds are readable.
10.02
